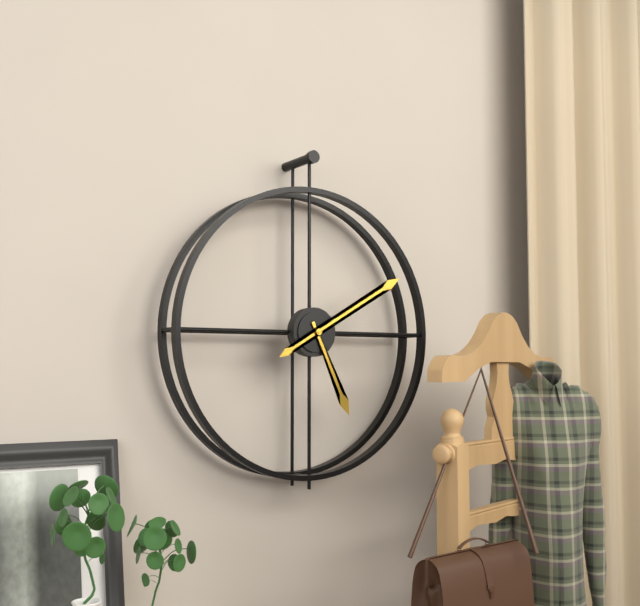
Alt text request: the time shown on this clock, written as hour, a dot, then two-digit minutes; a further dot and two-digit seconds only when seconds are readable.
5.10
